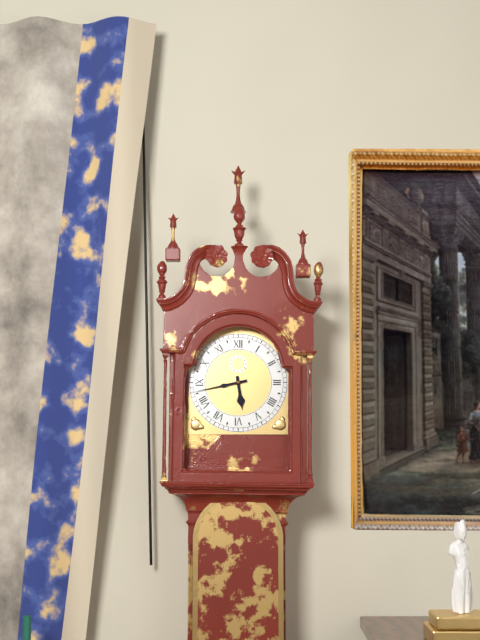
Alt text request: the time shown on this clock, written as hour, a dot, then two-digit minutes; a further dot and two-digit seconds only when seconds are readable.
5.43
